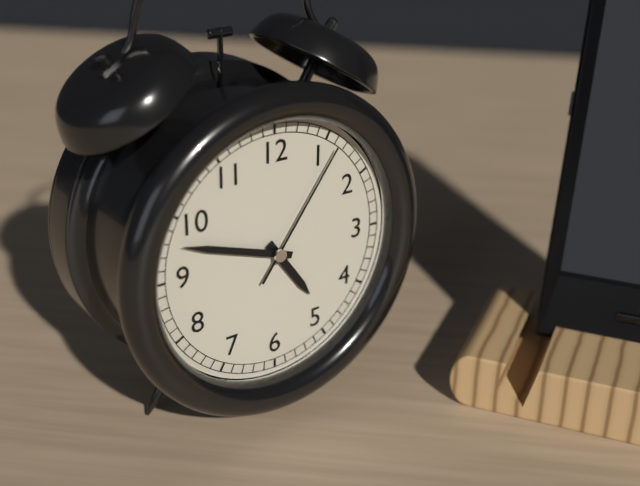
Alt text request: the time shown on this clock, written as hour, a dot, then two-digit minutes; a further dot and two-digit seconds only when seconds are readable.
4.48.06
